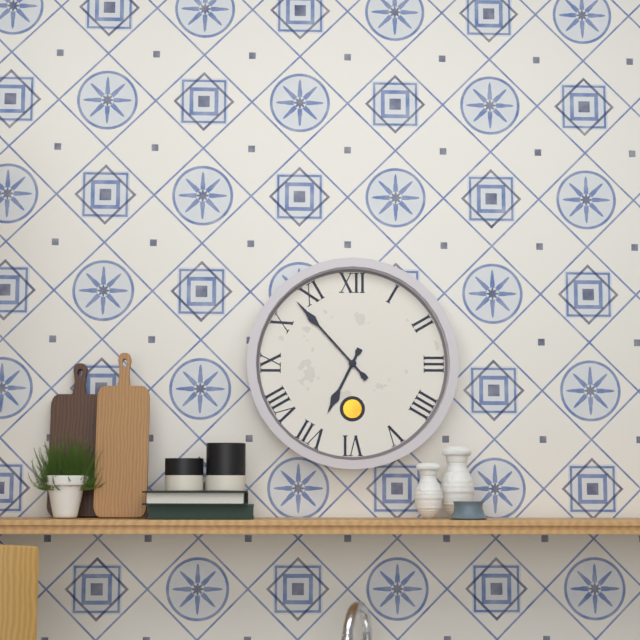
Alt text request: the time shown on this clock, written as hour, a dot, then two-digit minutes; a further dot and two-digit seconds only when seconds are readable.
6.53
